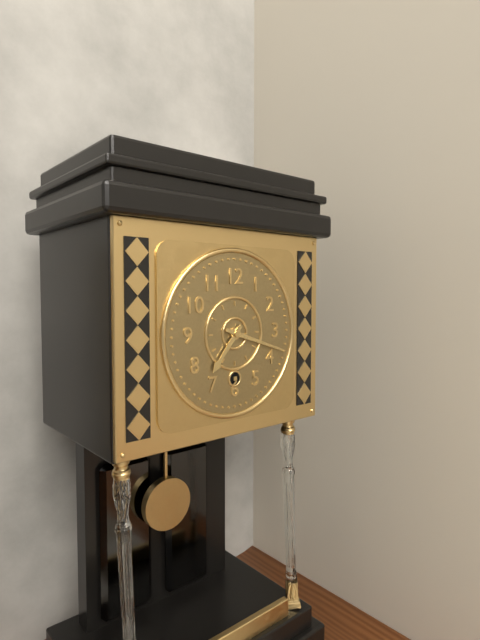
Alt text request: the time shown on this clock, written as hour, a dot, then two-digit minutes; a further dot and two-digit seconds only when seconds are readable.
7.18
